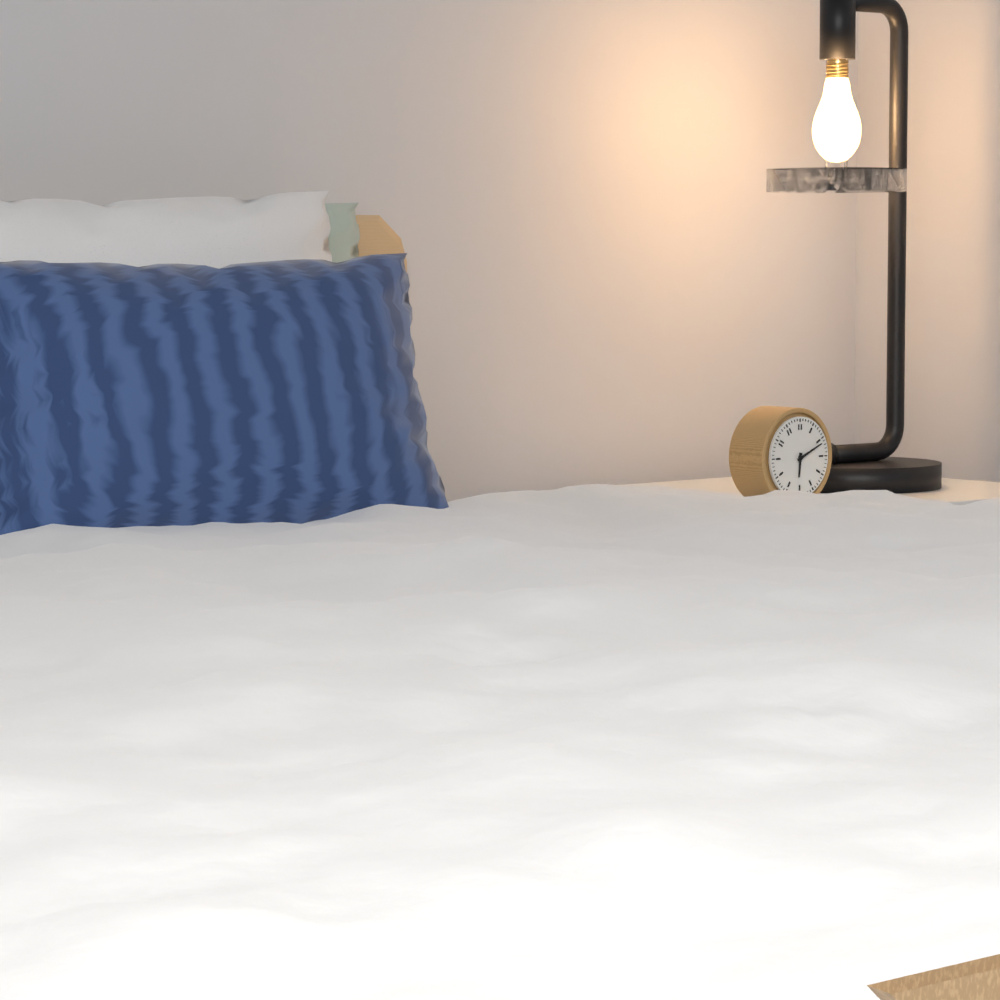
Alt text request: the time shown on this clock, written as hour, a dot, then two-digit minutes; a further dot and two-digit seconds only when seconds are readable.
6.11
